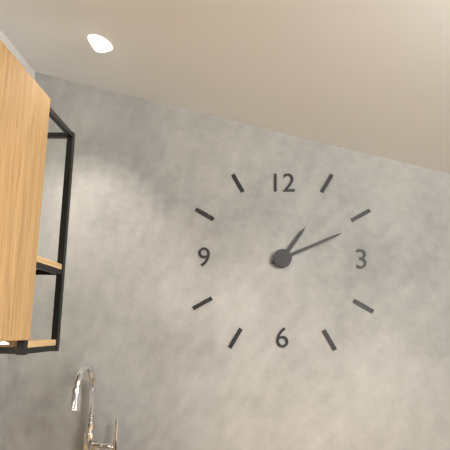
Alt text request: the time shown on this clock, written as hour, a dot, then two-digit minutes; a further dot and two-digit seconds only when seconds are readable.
1.11
